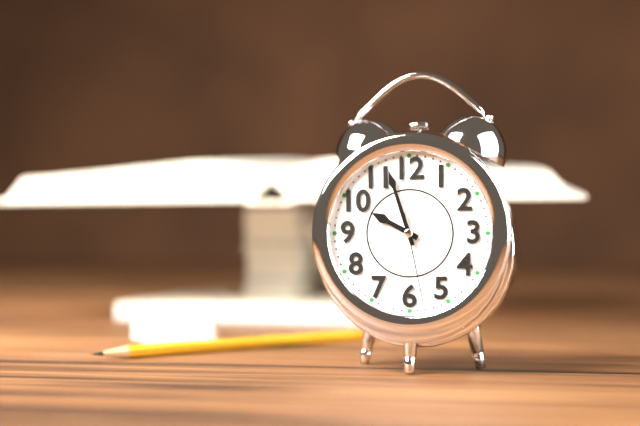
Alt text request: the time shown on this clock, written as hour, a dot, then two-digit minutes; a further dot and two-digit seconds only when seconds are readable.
9.57.28
